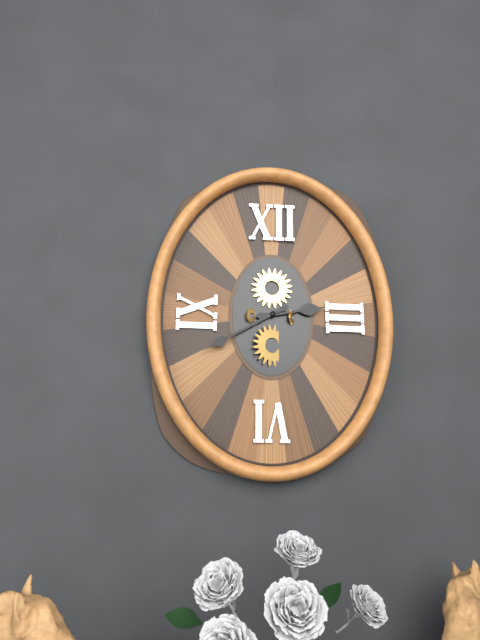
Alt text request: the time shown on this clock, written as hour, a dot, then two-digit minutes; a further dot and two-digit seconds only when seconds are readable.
2.40
